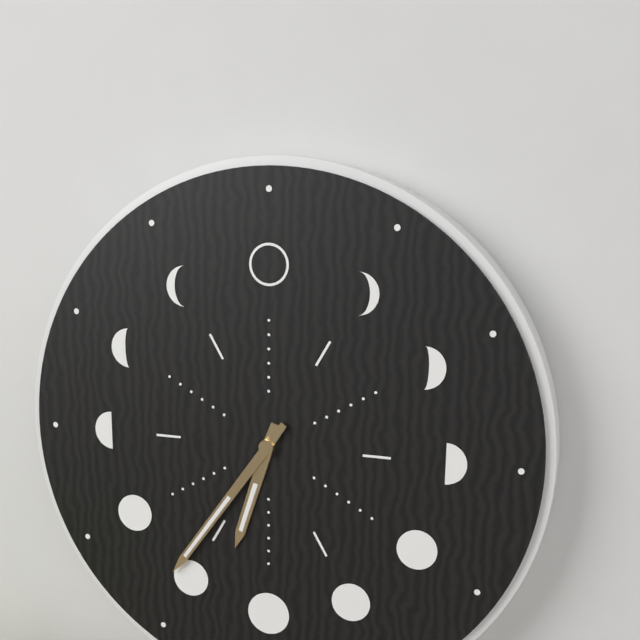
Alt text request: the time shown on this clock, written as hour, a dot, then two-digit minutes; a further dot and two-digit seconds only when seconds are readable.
6.36
